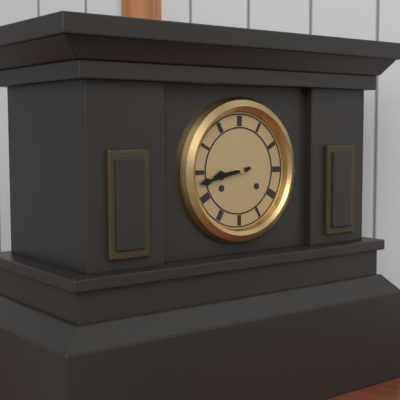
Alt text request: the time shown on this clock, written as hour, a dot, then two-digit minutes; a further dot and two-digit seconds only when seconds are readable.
8.43
